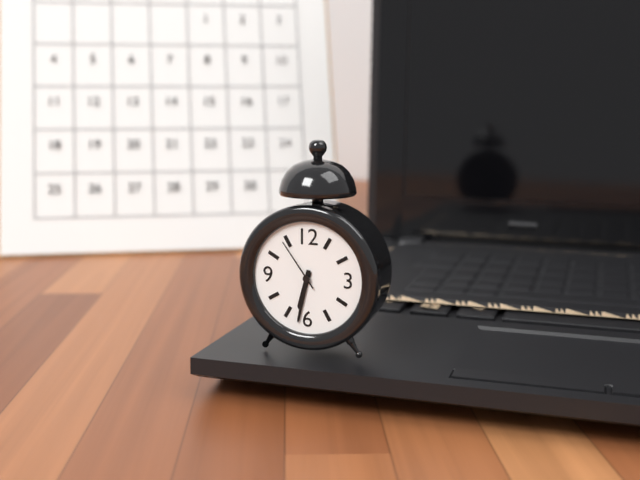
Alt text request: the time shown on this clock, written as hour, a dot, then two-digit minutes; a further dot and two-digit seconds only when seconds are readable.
6.32.54
